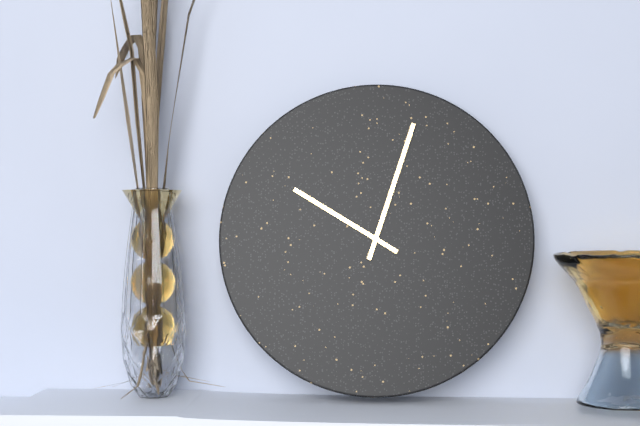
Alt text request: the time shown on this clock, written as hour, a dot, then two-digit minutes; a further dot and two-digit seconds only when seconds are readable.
10.03
